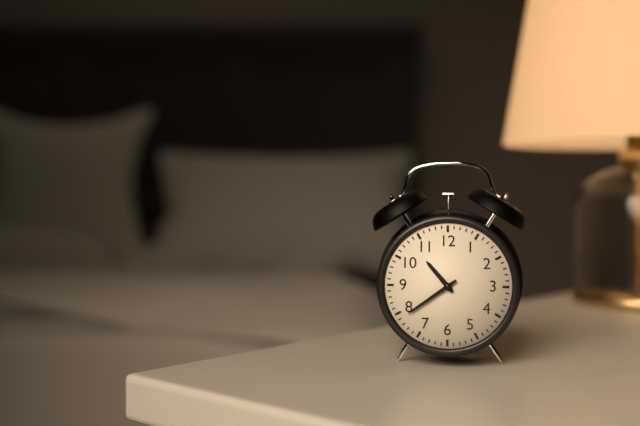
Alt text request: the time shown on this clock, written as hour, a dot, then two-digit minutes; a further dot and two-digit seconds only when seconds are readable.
10.39
